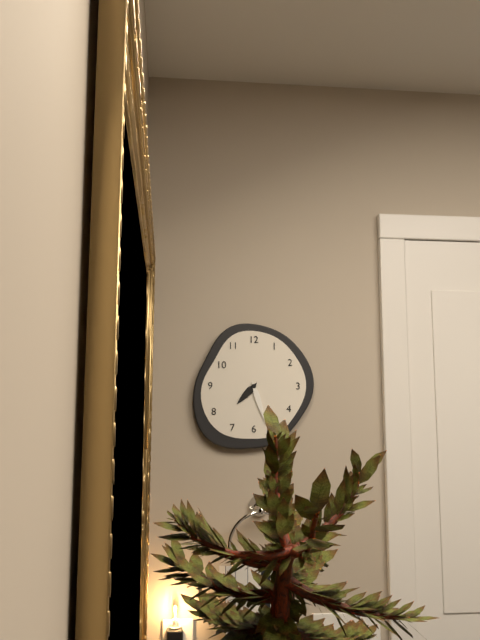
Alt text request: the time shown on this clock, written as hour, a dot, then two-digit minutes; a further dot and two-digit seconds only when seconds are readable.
7.27
